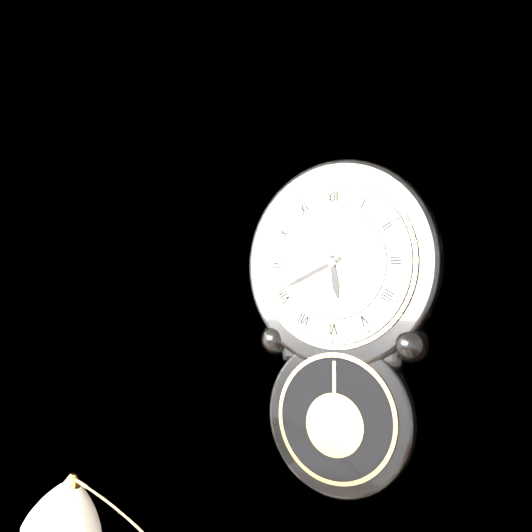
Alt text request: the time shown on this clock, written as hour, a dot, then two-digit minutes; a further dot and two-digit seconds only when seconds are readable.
5.41
